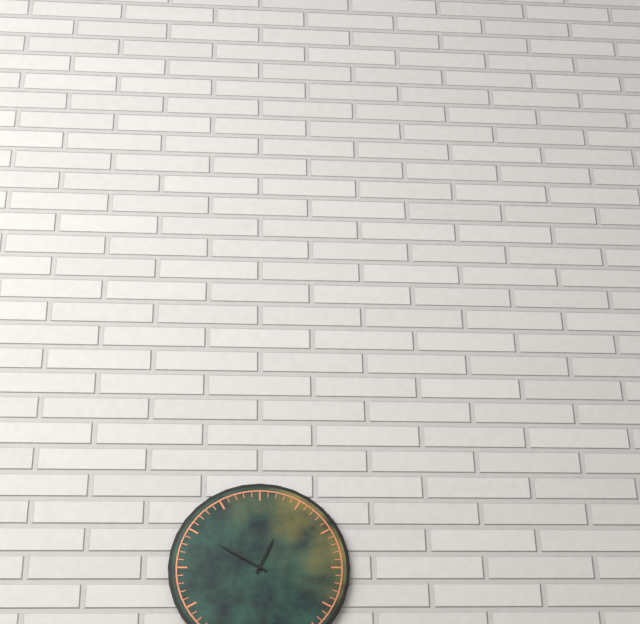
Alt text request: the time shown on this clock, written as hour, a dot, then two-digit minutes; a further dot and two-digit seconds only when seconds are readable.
12.50
